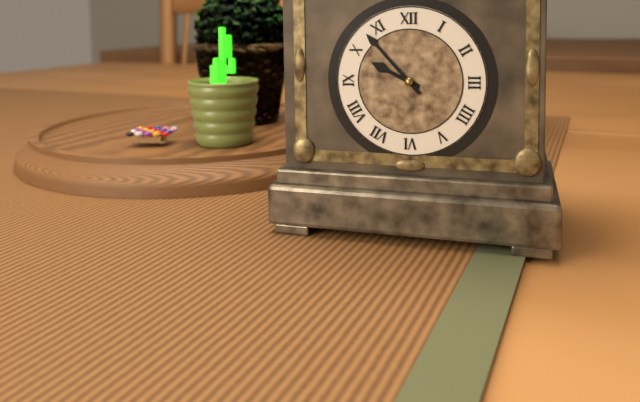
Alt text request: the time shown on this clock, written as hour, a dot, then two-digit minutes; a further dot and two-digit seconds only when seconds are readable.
9.53
